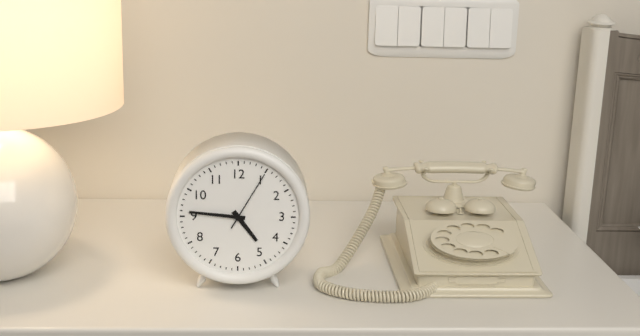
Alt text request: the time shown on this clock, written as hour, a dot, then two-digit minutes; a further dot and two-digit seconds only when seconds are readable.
4.46.05
